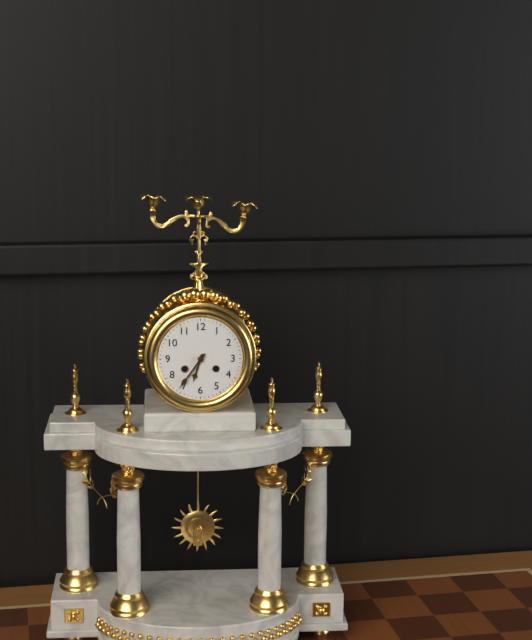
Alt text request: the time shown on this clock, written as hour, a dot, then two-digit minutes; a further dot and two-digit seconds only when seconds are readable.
6.36
